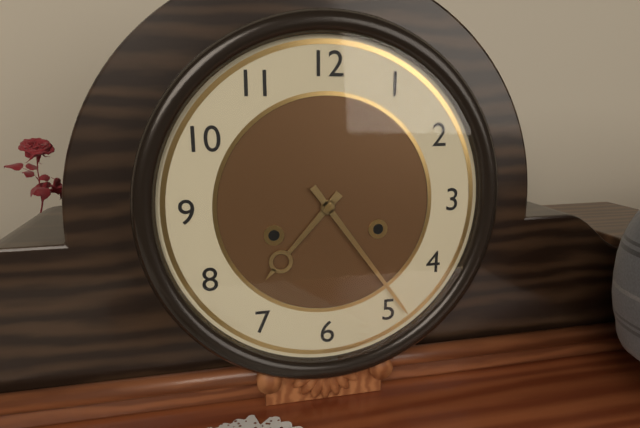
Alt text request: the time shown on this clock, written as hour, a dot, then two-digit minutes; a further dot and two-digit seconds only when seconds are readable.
7.24
